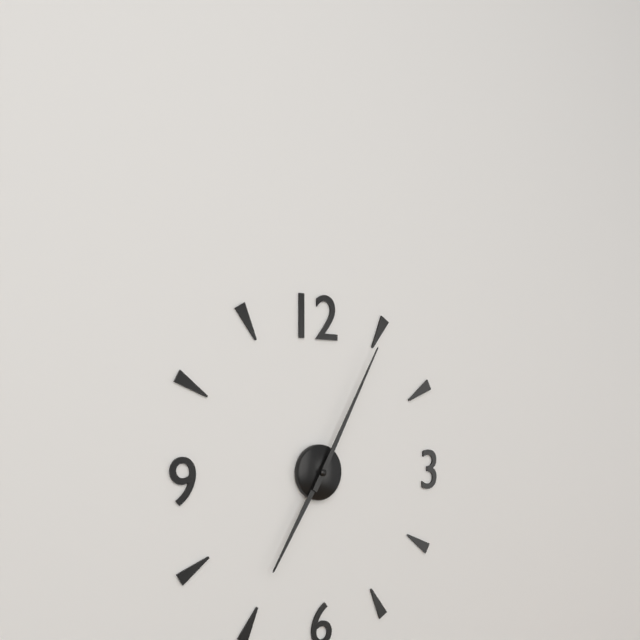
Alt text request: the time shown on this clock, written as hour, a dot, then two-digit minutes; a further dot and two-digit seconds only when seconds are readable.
7.05
